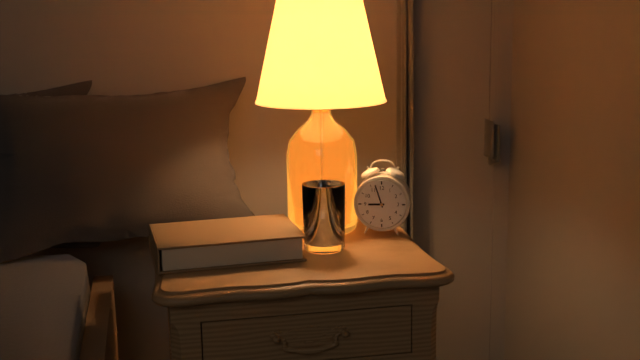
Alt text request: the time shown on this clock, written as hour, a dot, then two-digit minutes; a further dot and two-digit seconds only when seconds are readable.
8.57
